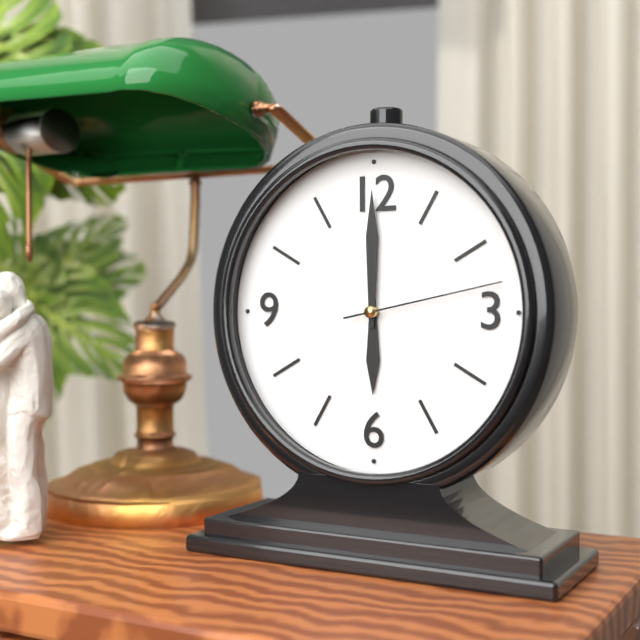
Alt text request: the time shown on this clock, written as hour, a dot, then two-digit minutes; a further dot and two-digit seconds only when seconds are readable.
6.00.13
